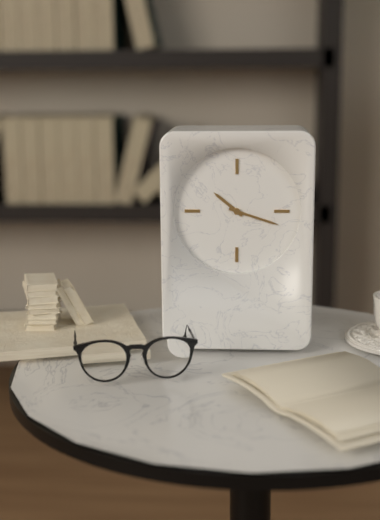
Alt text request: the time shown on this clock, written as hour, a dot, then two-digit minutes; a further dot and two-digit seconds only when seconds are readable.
10.18
